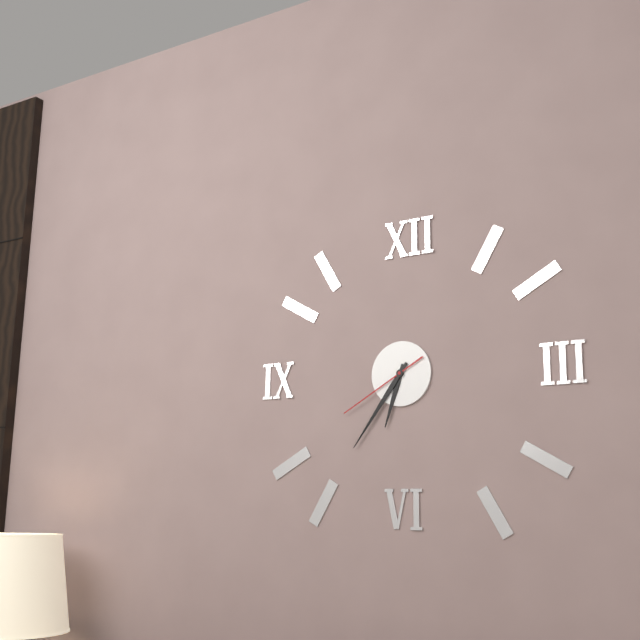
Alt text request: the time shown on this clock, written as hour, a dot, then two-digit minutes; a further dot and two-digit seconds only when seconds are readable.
6.36.40
